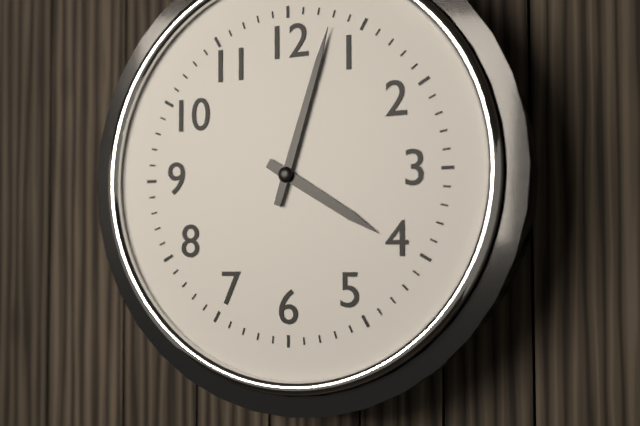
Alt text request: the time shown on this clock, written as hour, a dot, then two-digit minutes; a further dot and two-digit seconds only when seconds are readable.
4.03
